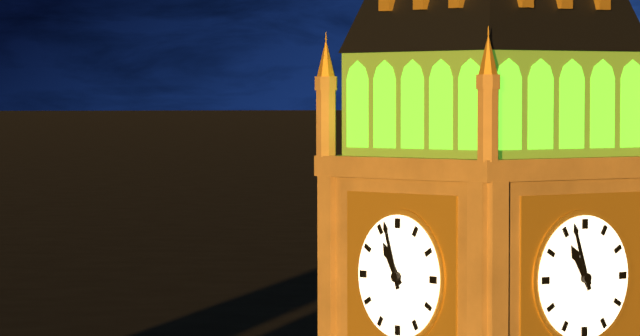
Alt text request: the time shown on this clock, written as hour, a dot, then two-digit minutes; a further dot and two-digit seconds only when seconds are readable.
10.57
